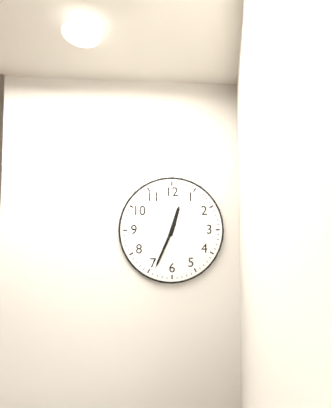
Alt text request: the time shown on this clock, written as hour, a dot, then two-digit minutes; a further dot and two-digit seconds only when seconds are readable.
12.34
